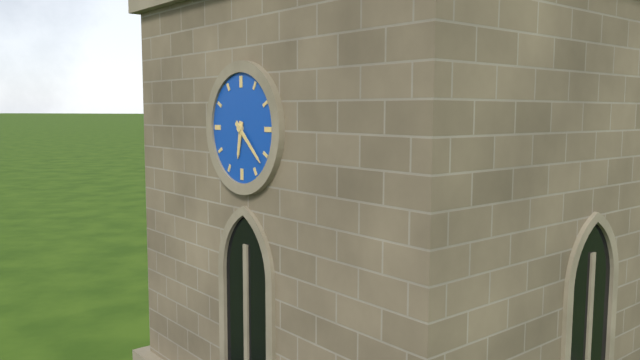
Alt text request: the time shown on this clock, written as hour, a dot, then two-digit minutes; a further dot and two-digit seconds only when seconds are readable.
6.22
